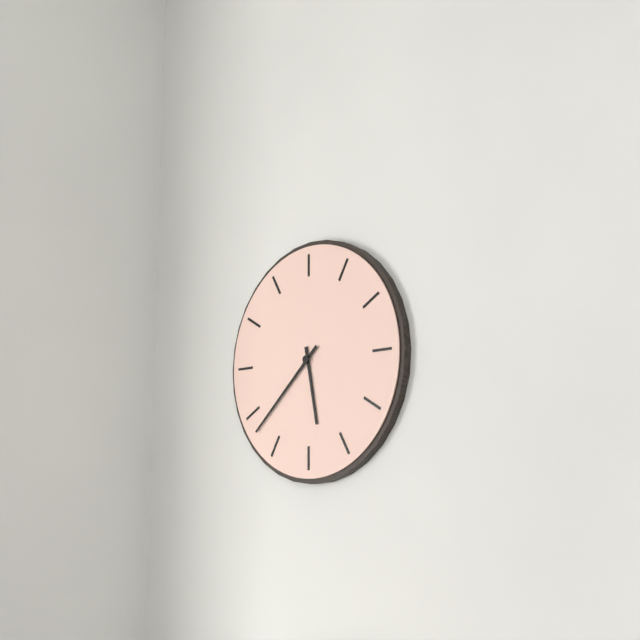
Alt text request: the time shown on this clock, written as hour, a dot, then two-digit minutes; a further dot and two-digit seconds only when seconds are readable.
5.38
